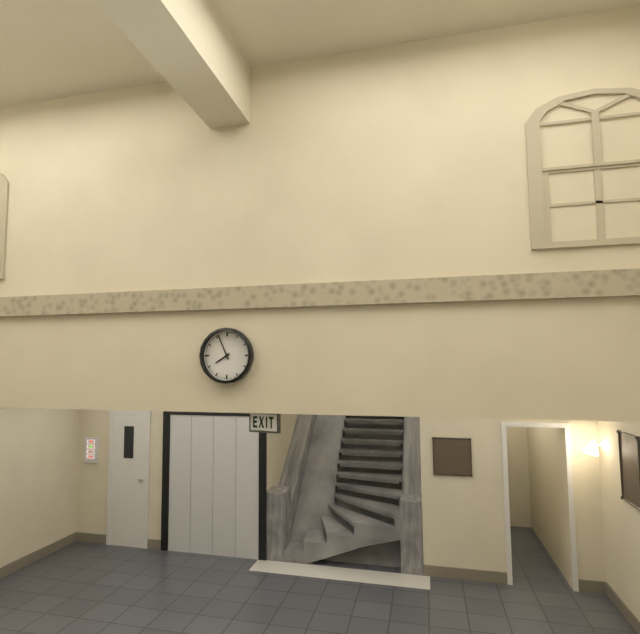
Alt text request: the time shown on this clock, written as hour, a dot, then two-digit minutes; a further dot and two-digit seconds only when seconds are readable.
7.56
